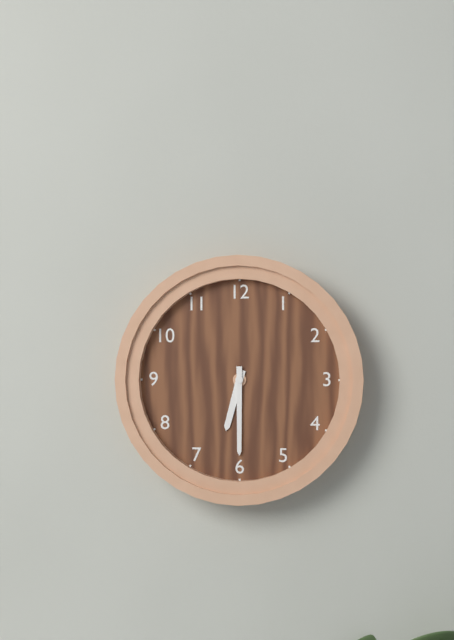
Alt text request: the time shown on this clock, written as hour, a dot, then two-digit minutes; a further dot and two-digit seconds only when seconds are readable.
6.30
